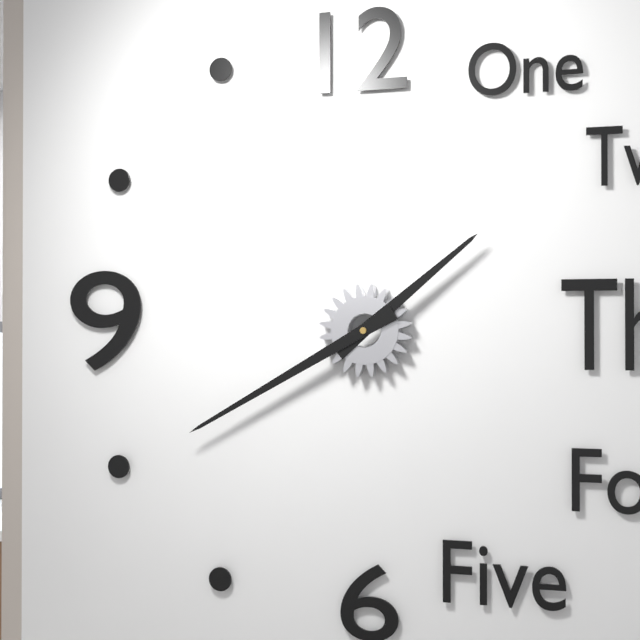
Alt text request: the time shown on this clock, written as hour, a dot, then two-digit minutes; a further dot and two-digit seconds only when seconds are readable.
1.40
